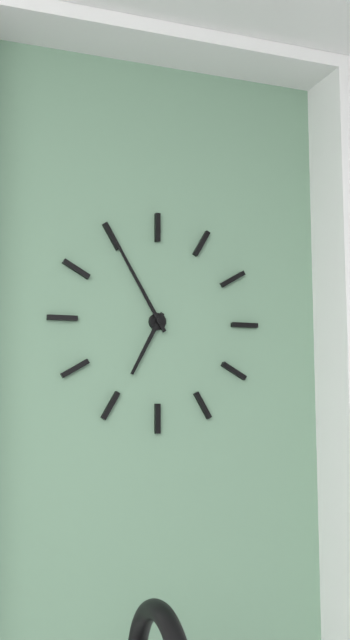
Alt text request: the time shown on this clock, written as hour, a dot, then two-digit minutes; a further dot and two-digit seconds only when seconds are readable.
6.55
